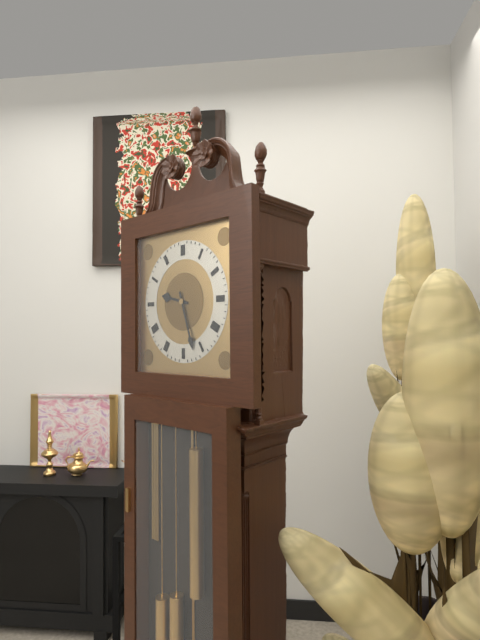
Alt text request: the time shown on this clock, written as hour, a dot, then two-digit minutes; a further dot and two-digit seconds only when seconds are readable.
9.27
